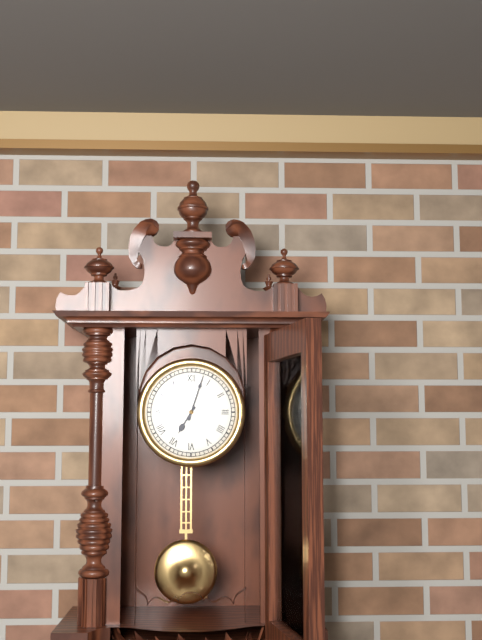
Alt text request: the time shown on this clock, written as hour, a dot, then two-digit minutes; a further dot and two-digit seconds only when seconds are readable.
7.03
